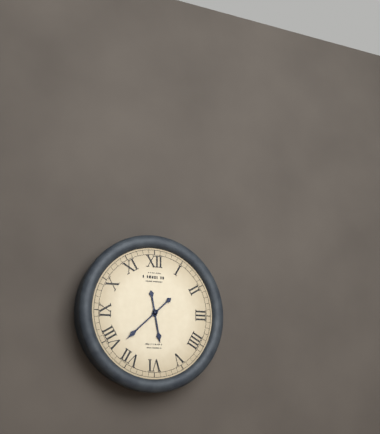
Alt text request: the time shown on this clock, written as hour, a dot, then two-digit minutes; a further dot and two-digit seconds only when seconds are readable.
5.38
